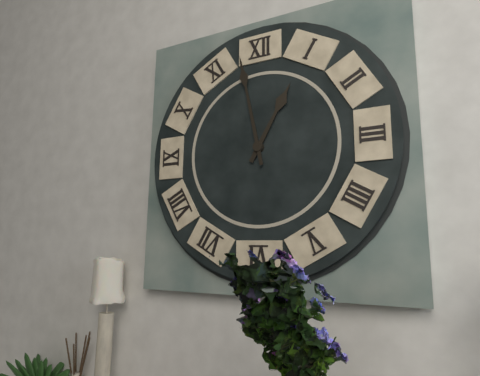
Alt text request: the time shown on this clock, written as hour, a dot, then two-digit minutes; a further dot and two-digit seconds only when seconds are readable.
12.58
